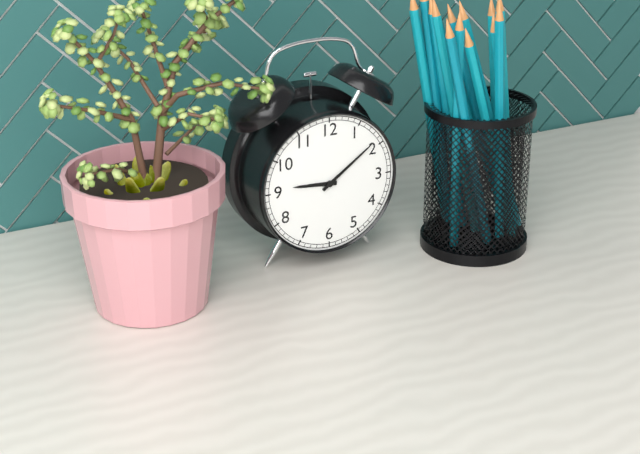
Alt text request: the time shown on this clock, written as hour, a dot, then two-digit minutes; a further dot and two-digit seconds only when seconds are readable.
9.09
